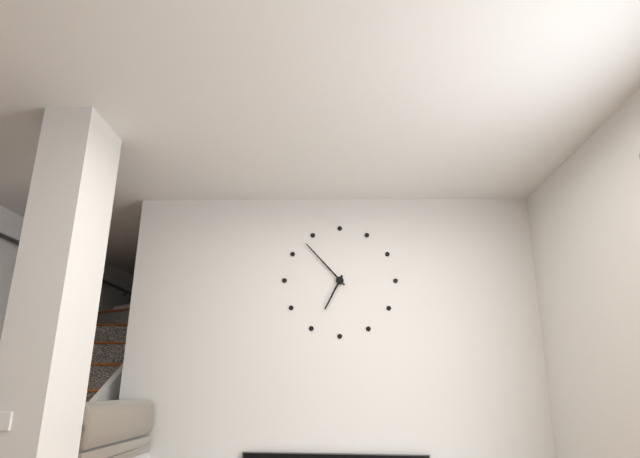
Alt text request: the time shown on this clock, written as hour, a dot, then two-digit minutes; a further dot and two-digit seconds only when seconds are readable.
6.53
